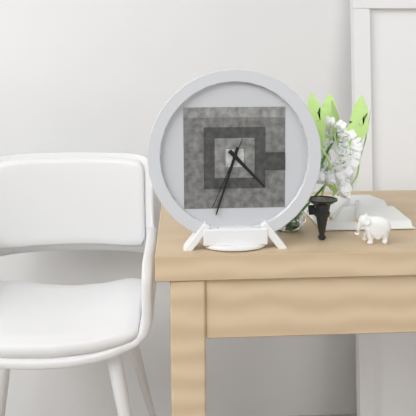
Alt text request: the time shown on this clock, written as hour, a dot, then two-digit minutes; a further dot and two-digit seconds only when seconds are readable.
4.33.34
